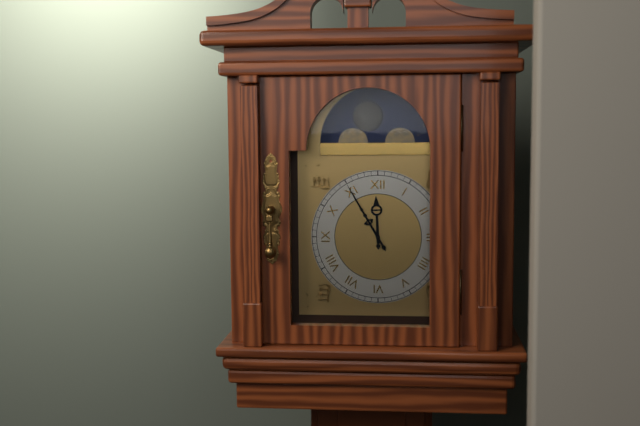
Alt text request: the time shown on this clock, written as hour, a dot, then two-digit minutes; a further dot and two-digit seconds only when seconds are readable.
11.55
